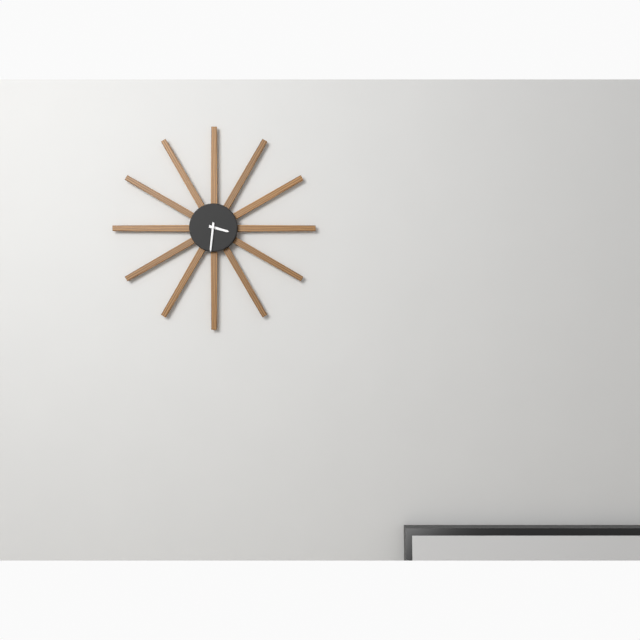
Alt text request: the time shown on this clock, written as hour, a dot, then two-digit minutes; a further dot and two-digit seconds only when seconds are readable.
3.31
